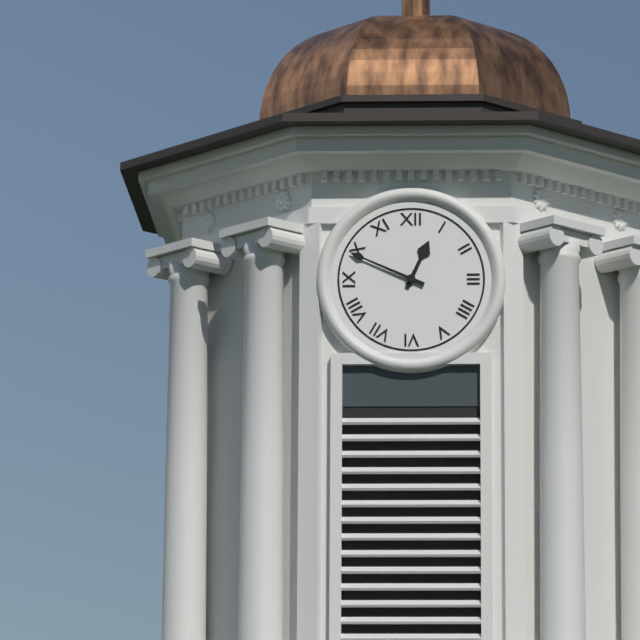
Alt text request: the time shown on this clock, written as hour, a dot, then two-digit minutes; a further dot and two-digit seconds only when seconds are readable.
12.49
